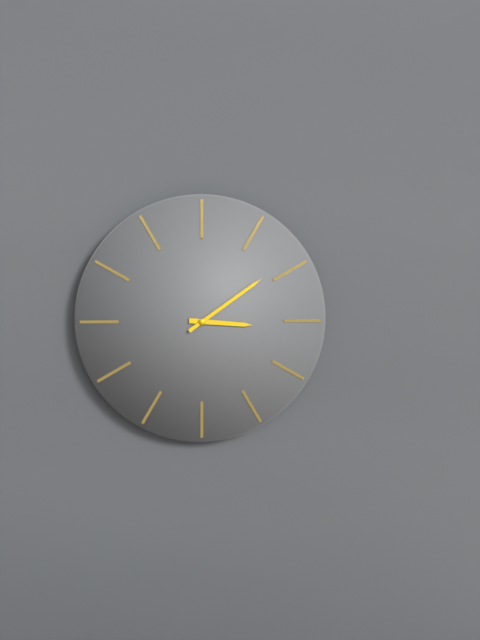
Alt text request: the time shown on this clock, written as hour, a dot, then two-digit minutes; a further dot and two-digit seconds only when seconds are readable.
3.09
